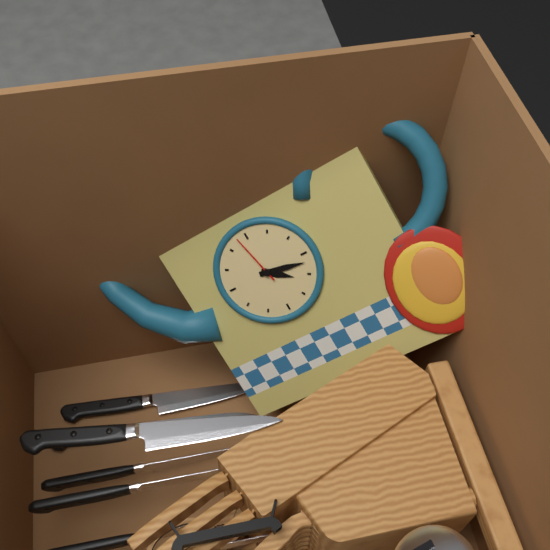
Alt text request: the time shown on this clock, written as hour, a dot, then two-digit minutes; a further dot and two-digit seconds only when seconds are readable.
4.17.58
